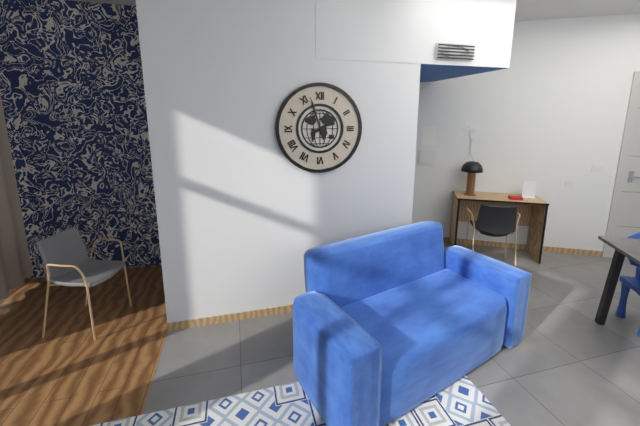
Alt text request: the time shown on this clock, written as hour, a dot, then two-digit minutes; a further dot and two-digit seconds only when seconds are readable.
1.57
